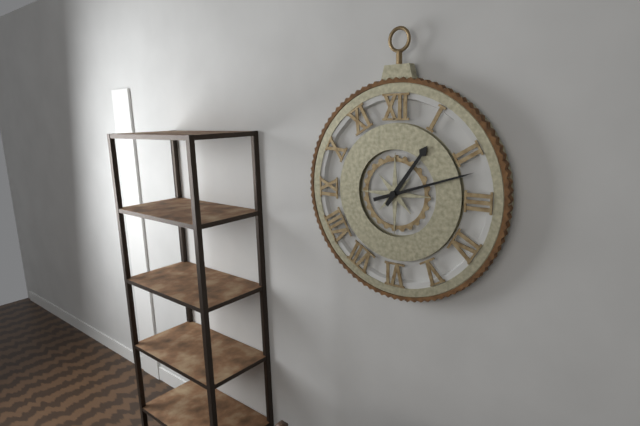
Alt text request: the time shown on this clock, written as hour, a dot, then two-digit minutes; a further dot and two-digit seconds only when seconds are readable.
1.12
